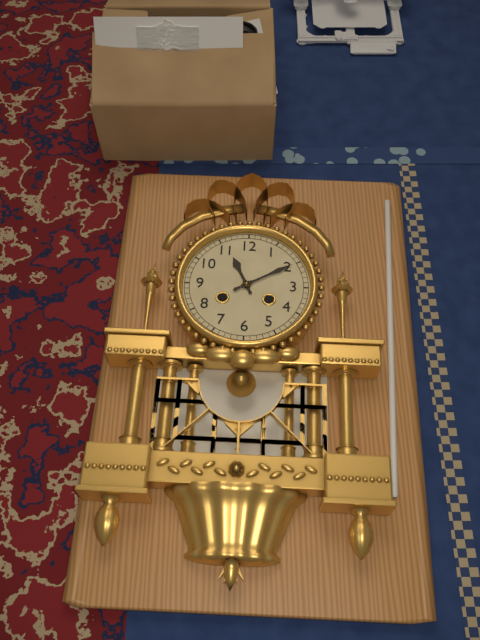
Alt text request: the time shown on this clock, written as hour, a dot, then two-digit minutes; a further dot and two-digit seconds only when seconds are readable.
11.10
